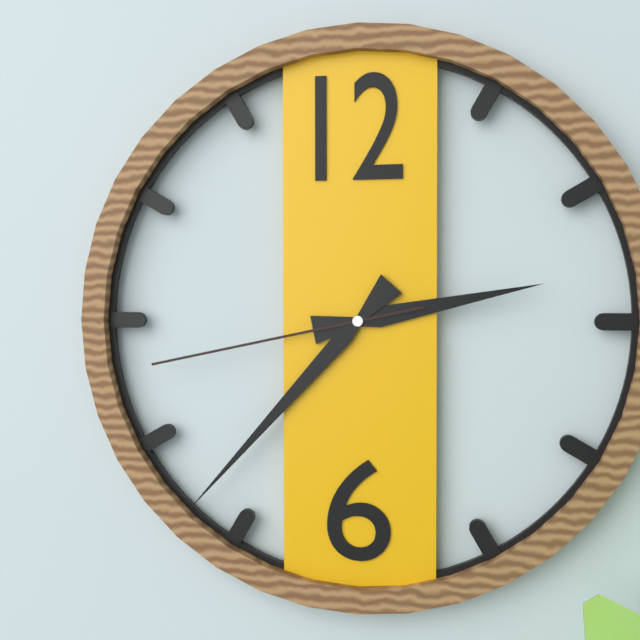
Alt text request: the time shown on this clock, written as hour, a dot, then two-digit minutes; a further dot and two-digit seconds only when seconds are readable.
2.37.43
